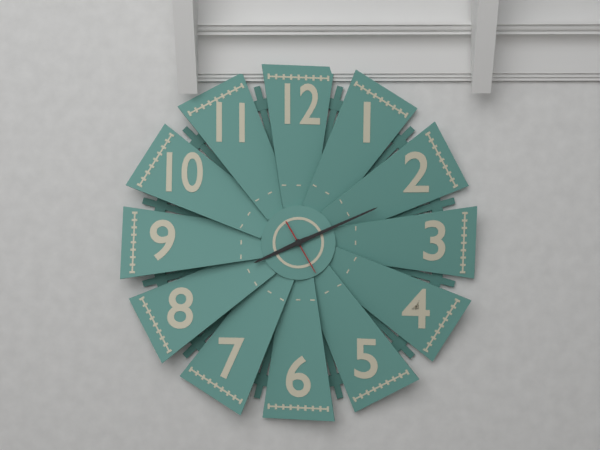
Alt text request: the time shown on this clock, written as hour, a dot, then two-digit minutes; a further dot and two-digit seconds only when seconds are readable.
8.11
